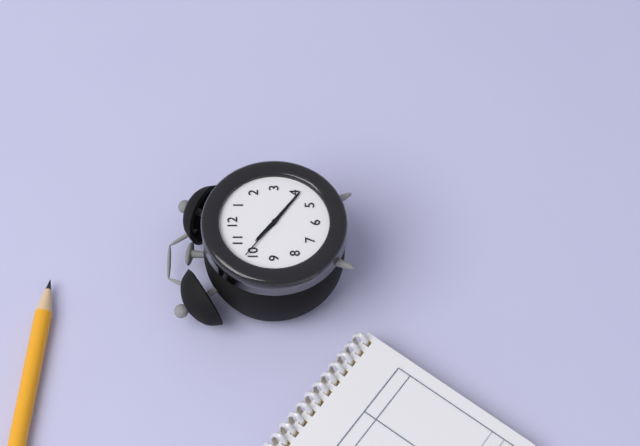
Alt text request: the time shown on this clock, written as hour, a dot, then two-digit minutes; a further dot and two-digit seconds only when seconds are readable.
10.21.51
